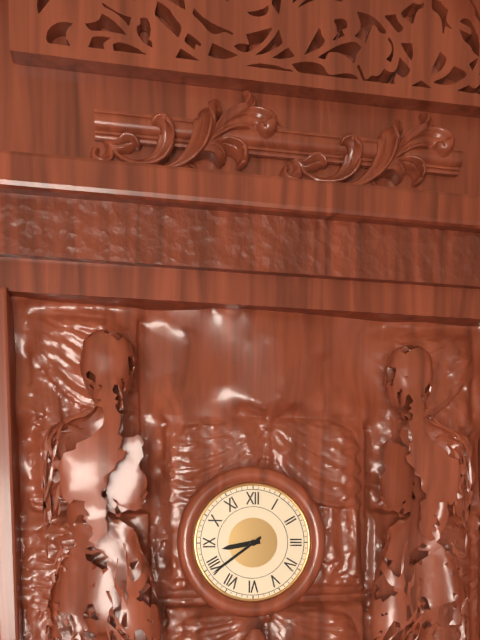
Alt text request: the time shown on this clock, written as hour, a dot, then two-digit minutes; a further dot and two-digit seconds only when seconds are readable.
8.39
